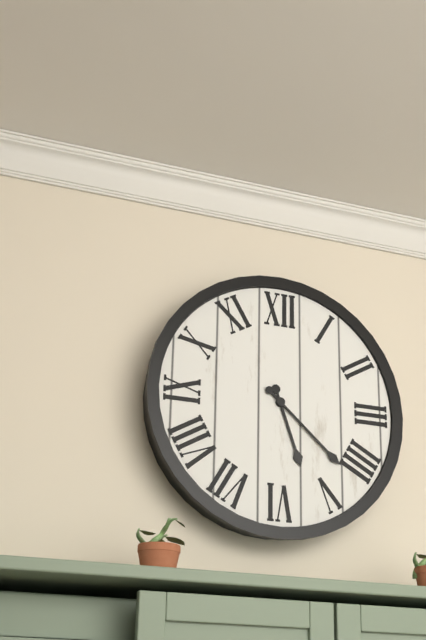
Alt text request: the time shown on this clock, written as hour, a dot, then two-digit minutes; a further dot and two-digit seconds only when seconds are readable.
5.22
